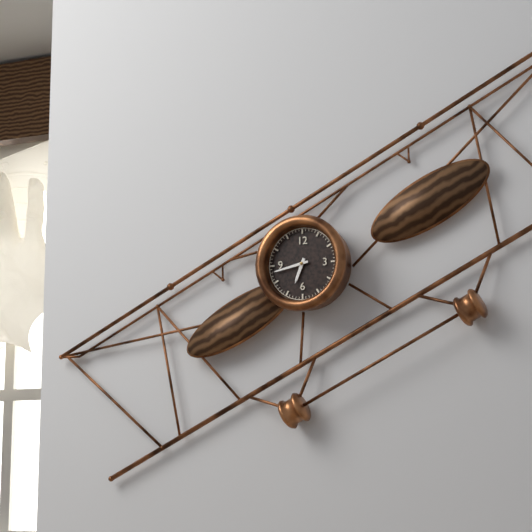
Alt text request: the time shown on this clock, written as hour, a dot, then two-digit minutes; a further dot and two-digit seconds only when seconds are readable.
6.43
